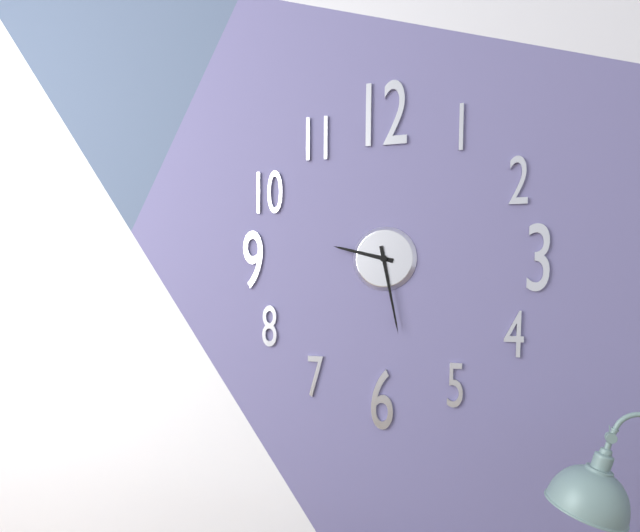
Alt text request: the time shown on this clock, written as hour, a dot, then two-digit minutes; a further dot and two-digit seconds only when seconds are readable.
9.28
